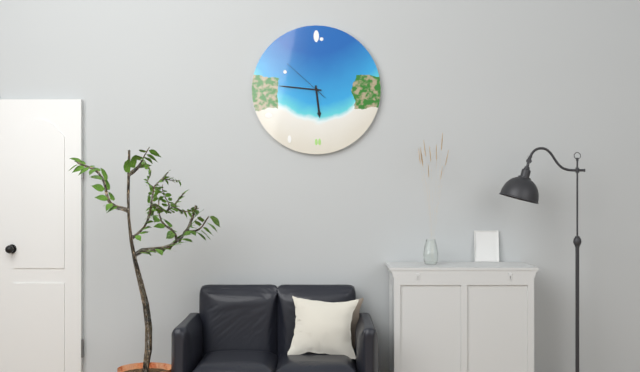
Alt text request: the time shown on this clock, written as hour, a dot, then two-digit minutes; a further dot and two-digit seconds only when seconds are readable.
5.46
